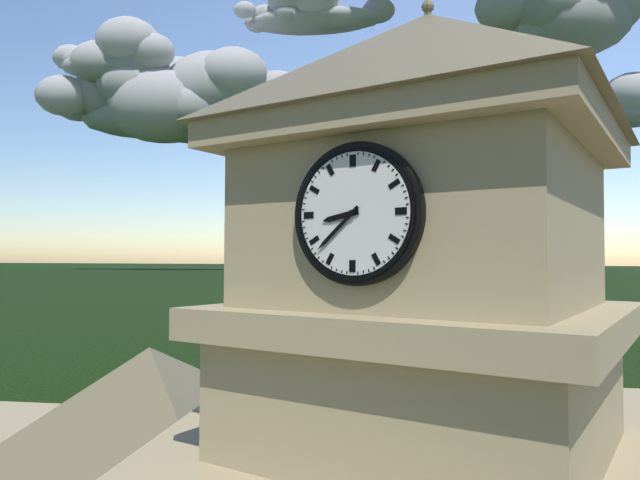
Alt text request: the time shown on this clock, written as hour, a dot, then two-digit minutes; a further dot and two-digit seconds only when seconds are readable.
8.38
